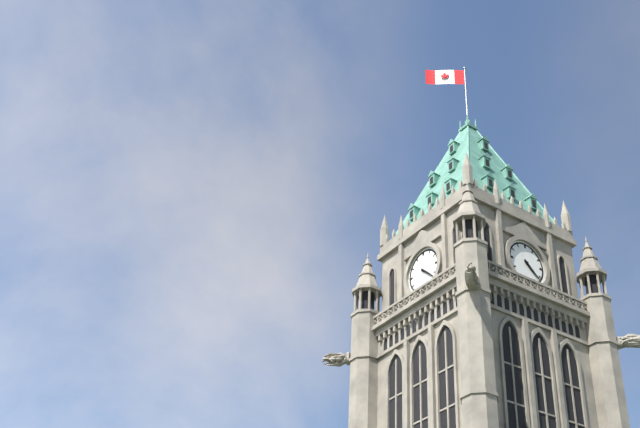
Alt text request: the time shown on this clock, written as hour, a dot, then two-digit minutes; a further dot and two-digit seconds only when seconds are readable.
4.22
